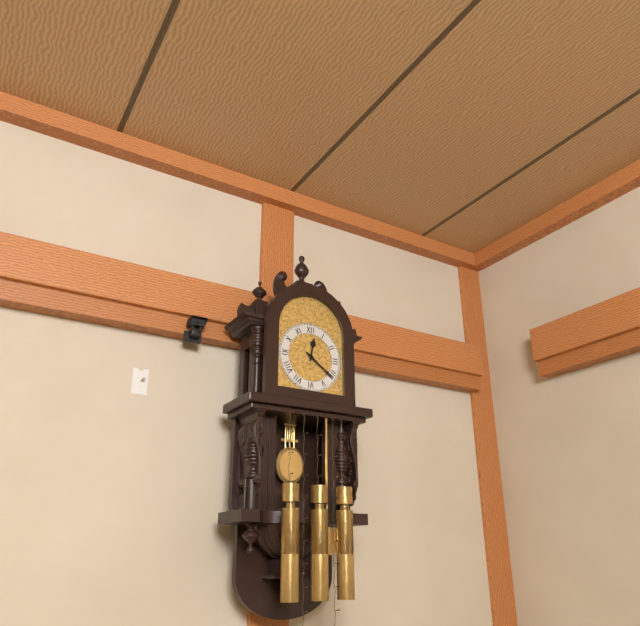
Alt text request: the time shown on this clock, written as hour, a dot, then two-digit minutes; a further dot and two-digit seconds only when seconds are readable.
12.21
